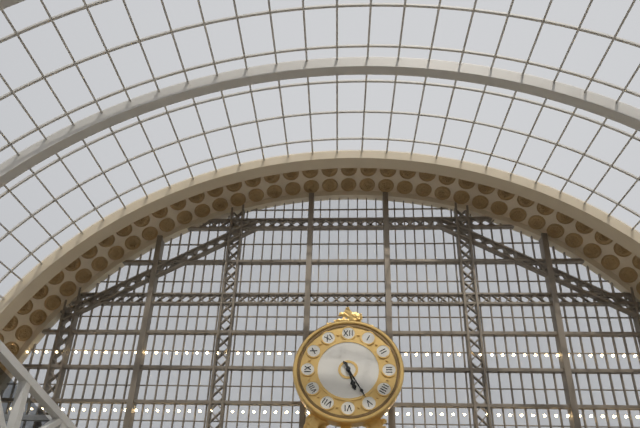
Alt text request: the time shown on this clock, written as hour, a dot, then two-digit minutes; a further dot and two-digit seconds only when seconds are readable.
5.25
